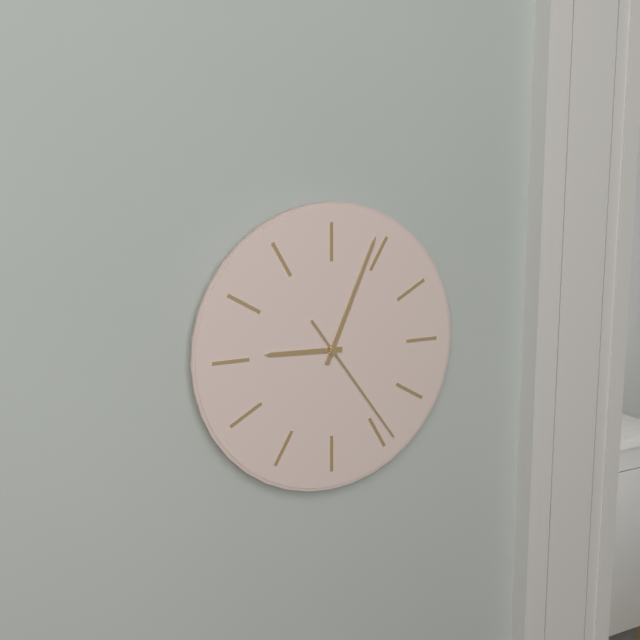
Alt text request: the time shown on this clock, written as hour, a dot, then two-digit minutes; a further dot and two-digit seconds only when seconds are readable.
9.04.24
